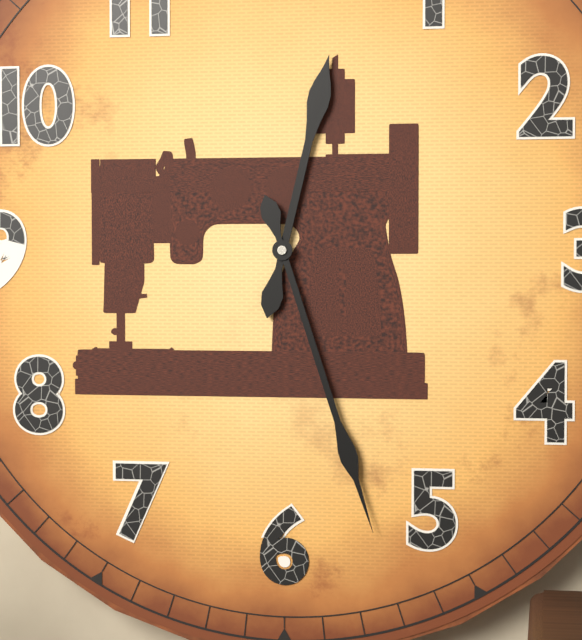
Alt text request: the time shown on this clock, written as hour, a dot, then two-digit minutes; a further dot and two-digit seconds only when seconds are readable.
12.27
